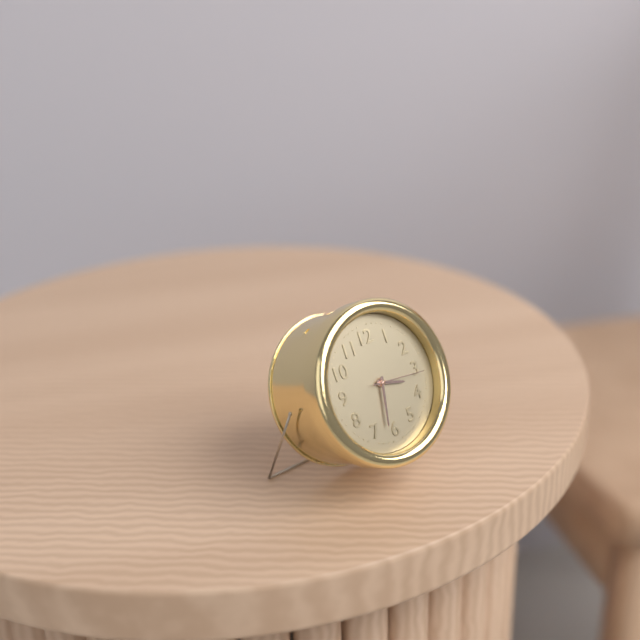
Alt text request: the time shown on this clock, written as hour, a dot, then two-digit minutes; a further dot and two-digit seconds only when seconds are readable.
3.32.16
